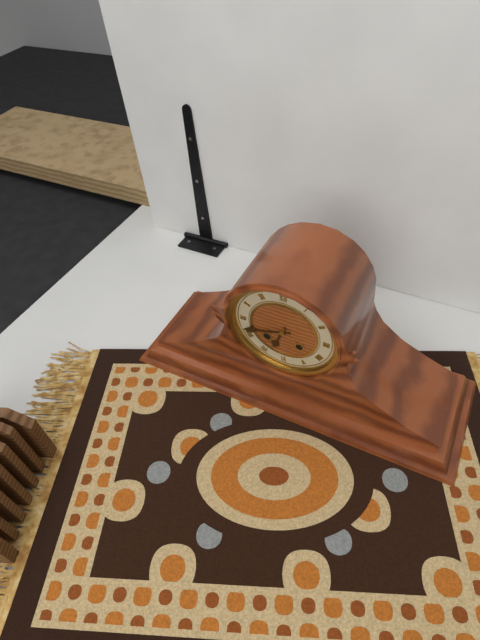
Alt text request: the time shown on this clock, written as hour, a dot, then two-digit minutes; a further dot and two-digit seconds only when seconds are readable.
6.42
